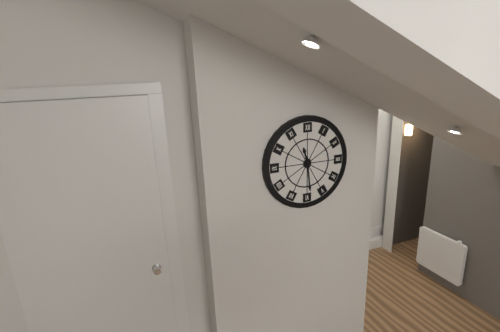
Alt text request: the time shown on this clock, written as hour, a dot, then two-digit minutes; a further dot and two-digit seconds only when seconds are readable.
11.29
